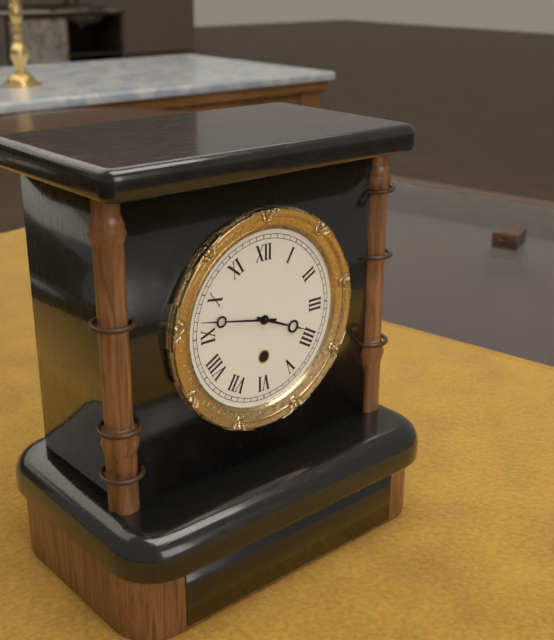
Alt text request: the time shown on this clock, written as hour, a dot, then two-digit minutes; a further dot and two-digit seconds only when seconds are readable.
3.47
